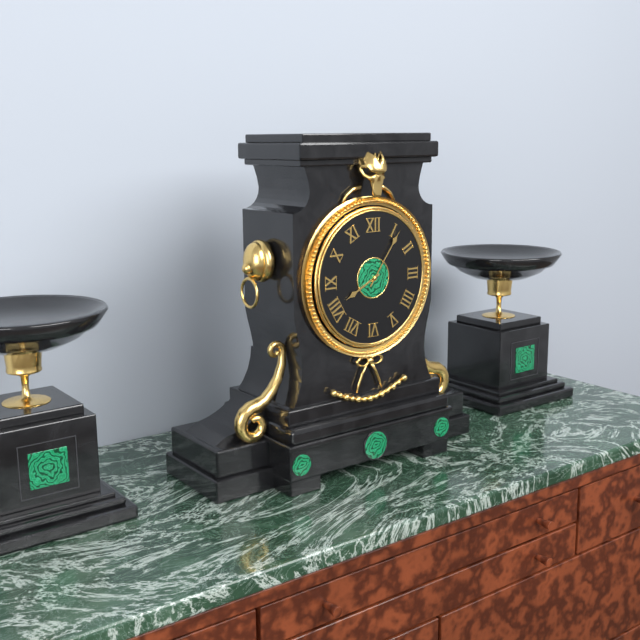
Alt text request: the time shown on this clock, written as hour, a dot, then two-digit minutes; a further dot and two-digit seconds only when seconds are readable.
8.06
